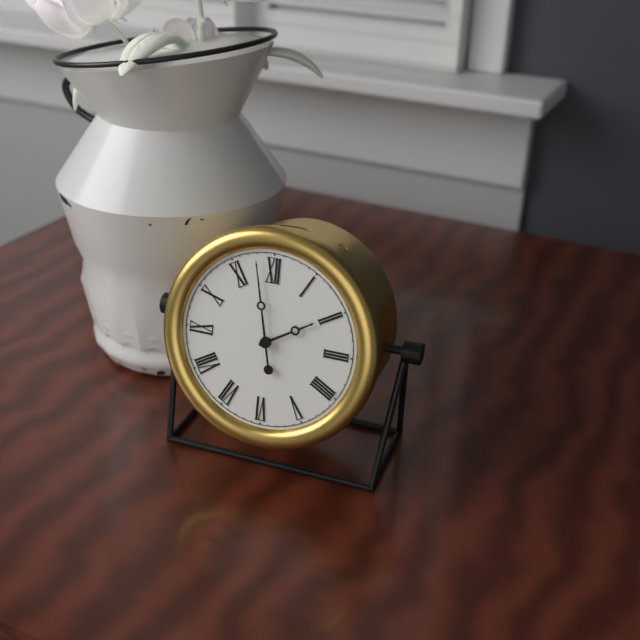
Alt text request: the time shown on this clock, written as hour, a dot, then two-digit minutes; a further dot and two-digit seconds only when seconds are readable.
1.58
